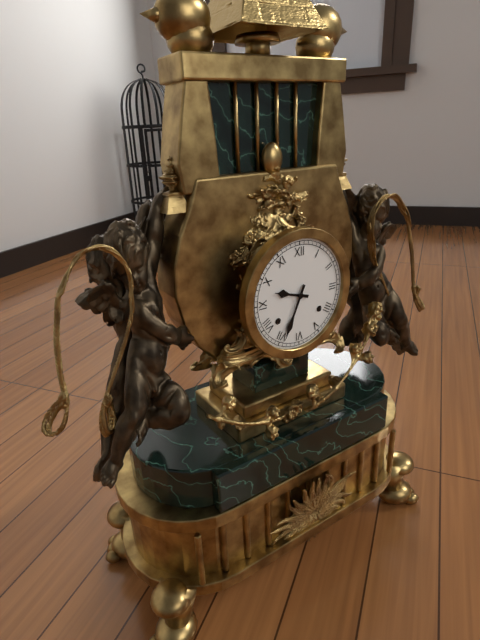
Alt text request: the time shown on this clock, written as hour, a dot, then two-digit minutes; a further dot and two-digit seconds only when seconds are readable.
9.34
